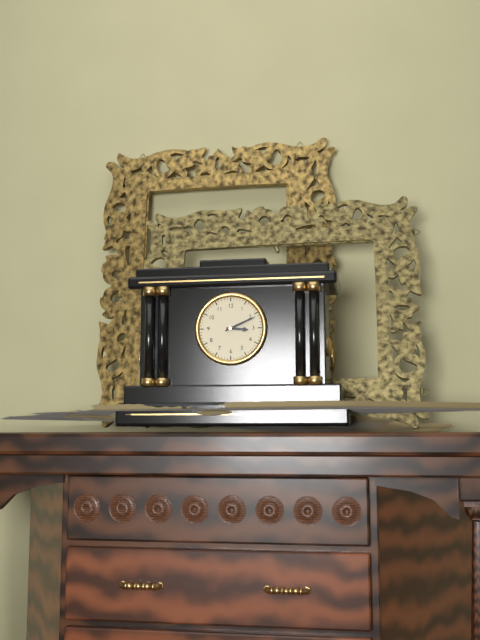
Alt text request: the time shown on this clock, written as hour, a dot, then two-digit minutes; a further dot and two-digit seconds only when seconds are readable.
3.11
